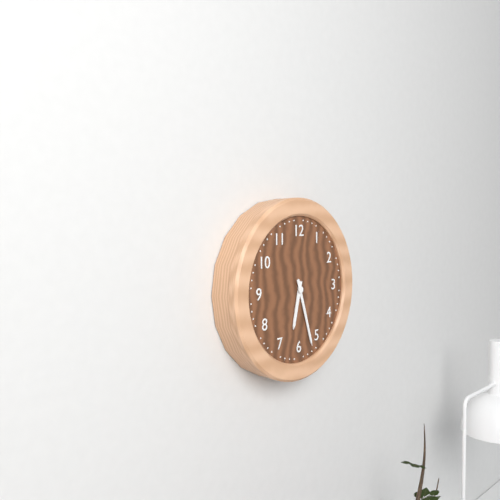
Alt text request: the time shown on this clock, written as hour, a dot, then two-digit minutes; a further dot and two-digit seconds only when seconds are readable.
6.27
